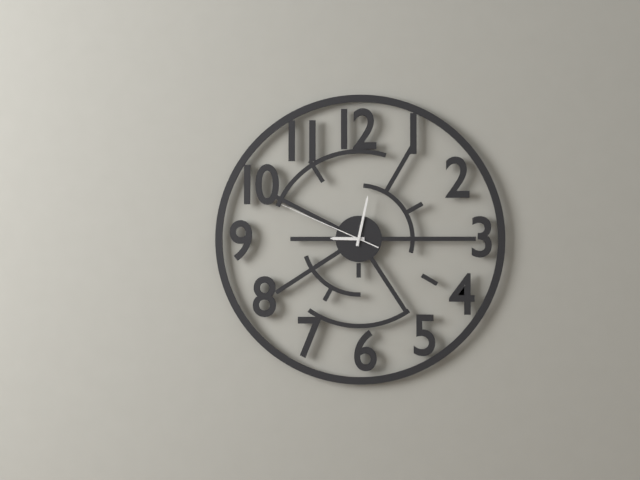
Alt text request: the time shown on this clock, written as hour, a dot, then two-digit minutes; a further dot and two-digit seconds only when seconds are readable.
9.02.49
